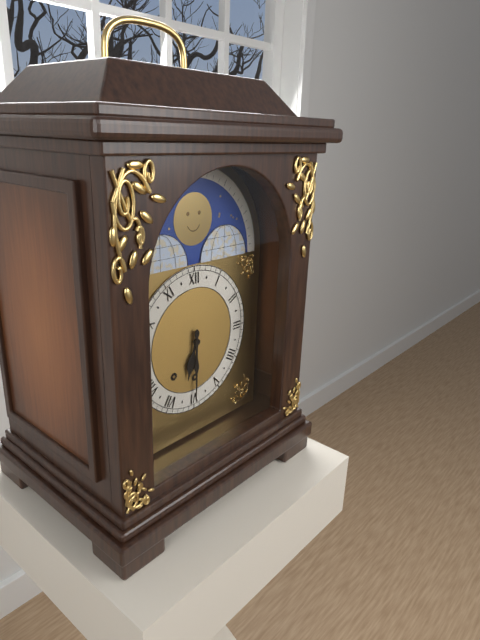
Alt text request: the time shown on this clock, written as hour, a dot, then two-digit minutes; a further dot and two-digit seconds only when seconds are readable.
6.30
